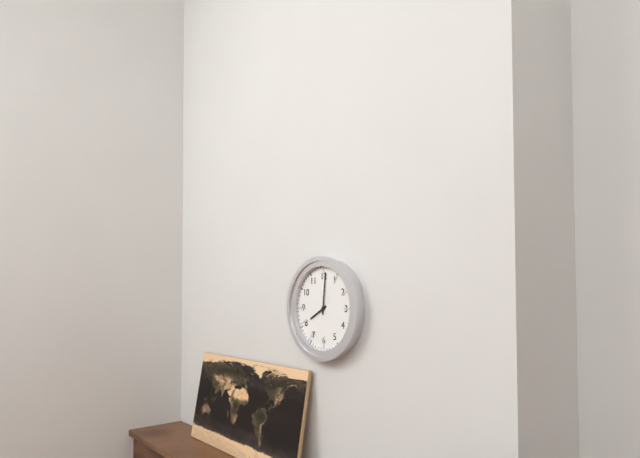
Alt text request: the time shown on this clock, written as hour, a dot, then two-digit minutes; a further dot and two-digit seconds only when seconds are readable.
8.01
